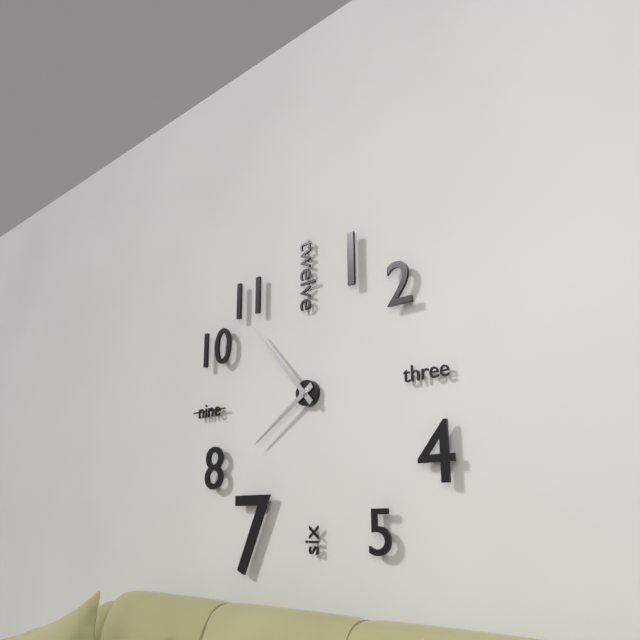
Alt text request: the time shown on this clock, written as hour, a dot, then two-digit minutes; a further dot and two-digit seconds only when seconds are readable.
7.53
